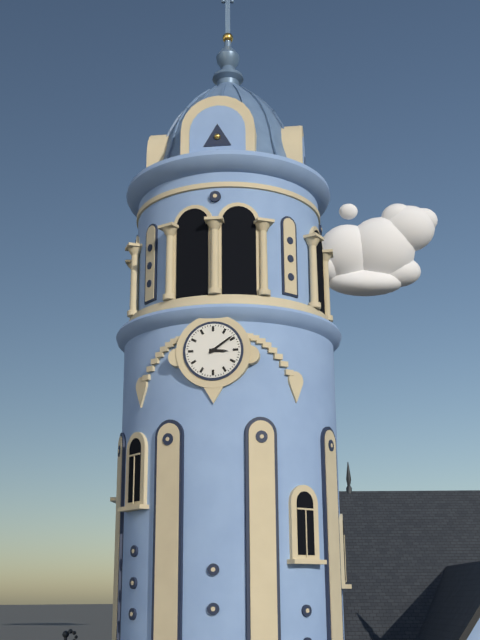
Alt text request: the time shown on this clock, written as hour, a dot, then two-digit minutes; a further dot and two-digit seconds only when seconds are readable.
3.09
